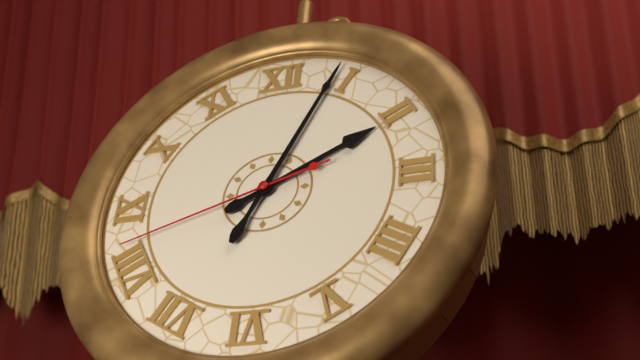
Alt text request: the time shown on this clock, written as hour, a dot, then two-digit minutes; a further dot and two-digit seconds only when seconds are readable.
2.04.42
